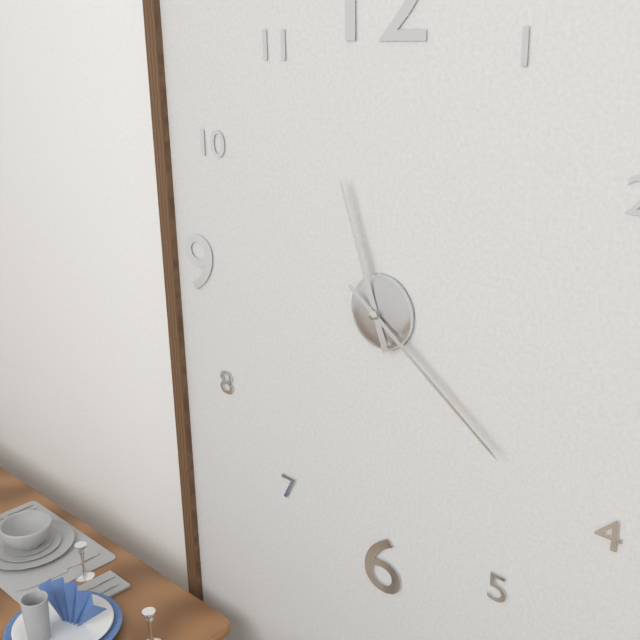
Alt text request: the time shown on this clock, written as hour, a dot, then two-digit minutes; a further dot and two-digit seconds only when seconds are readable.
11.21
